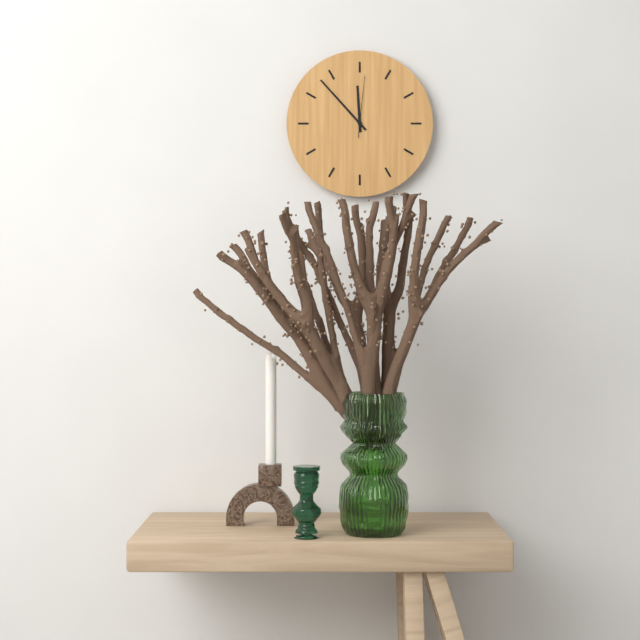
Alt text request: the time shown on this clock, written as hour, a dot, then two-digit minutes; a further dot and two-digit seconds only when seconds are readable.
11.53.01
